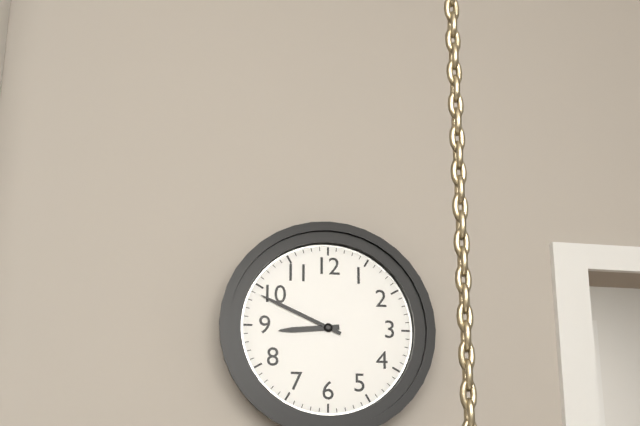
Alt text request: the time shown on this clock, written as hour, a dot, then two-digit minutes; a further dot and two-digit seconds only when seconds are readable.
8.49
